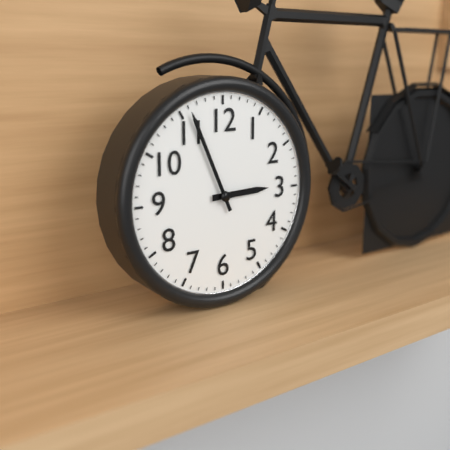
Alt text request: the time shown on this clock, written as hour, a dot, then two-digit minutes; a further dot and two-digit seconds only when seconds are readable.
2.56
